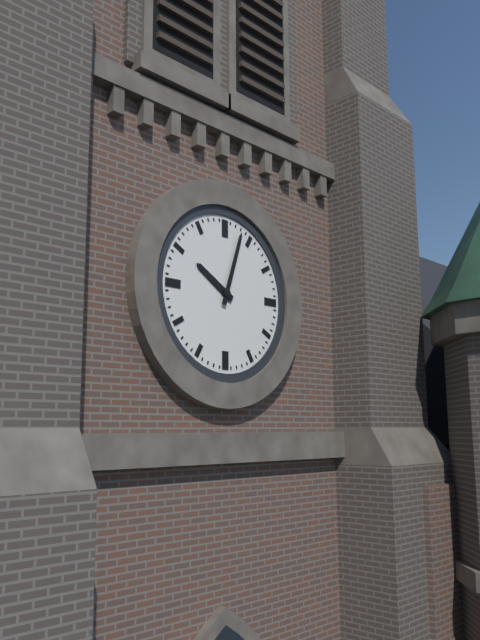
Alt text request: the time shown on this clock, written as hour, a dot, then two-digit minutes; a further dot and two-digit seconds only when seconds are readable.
10.03
